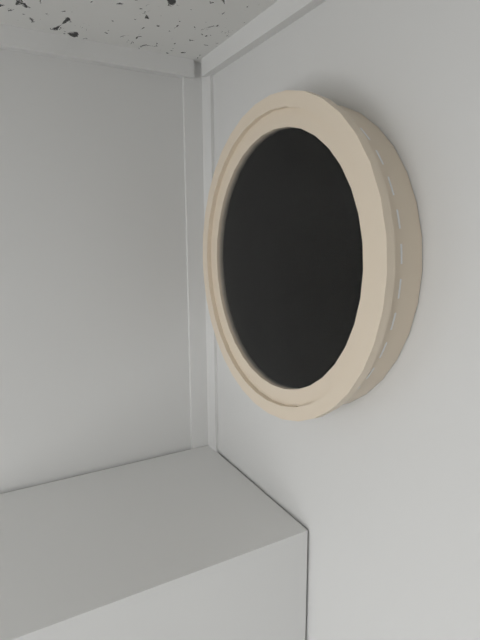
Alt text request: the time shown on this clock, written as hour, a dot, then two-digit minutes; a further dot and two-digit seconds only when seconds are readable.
8.47.58
